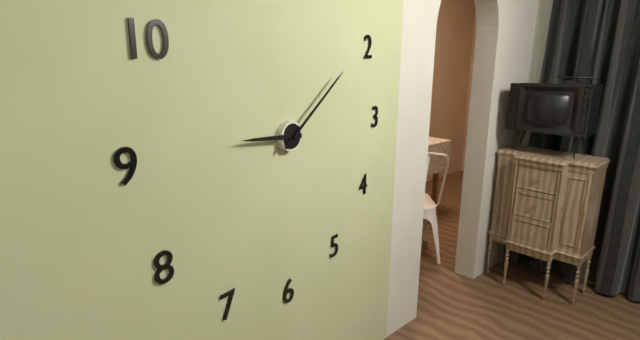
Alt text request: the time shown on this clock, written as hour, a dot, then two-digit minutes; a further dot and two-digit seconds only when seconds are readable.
9.09
